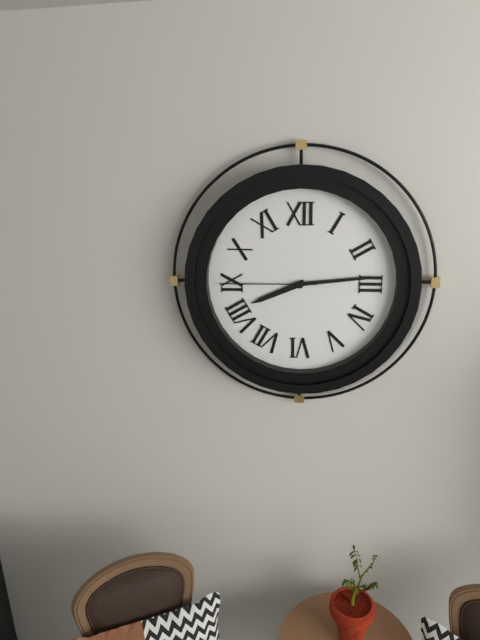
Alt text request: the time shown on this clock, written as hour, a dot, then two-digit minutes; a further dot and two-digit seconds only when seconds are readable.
8.14.45
